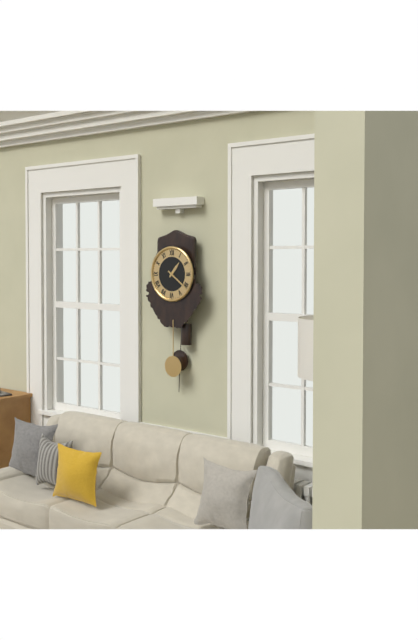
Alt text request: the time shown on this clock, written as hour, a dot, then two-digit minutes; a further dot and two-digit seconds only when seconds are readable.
1.21
